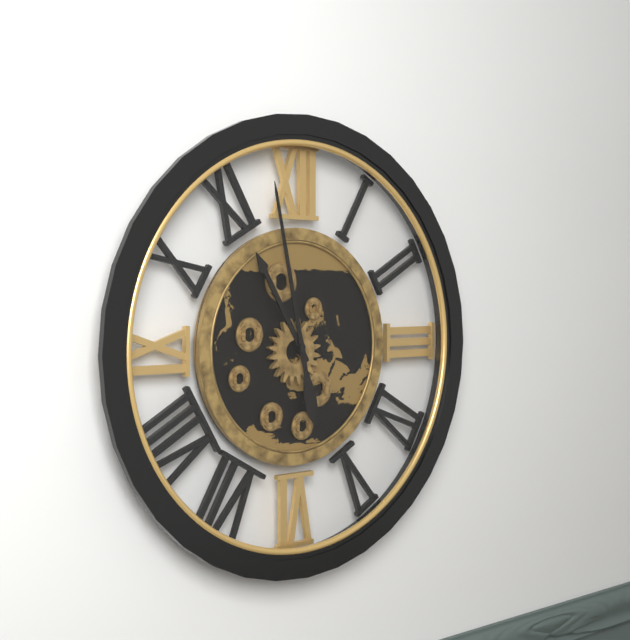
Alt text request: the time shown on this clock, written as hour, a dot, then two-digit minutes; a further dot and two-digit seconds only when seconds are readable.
10.58
